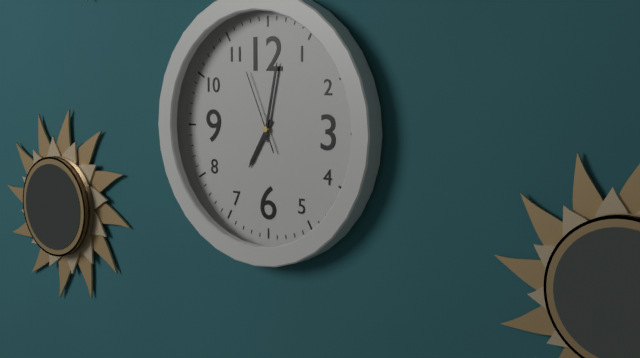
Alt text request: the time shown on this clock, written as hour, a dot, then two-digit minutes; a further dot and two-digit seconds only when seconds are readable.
7.02.56
